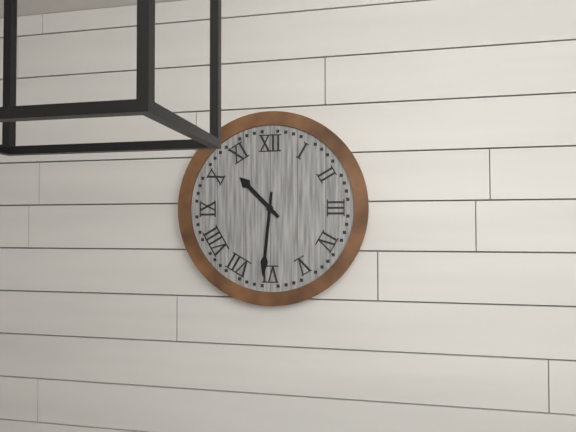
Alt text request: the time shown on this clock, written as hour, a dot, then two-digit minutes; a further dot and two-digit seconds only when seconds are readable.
10.31
